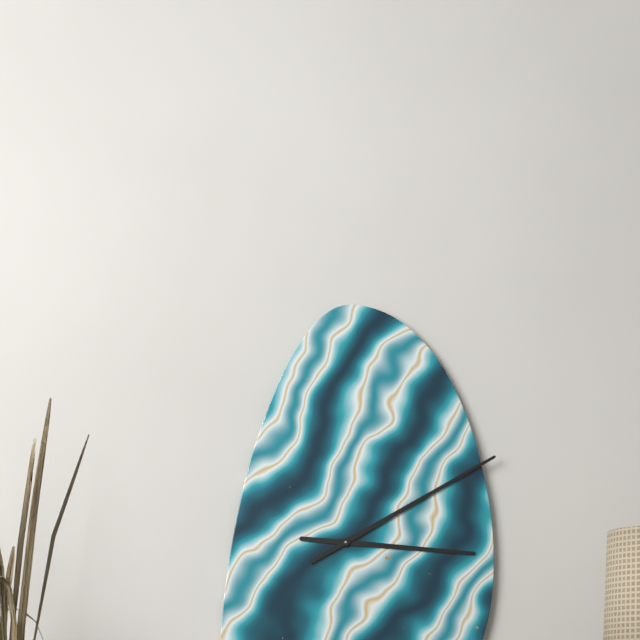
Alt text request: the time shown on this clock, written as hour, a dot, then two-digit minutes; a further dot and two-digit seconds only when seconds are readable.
3.10
